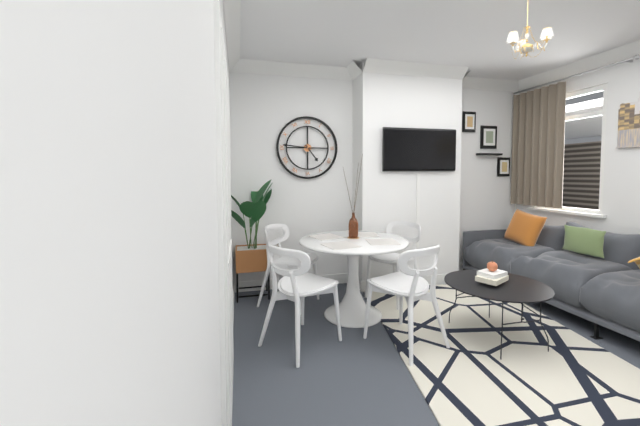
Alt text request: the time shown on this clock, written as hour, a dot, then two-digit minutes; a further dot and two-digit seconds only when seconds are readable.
4.46
